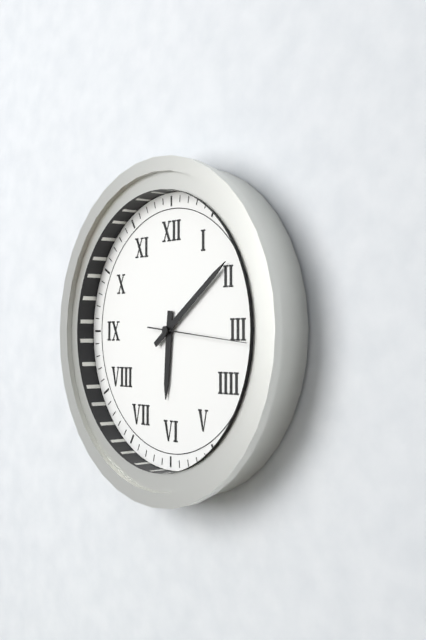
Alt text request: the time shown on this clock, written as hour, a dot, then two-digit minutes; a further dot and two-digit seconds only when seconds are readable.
6.09.16
